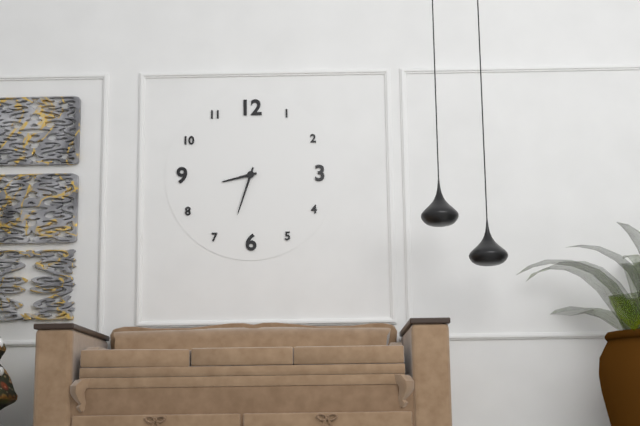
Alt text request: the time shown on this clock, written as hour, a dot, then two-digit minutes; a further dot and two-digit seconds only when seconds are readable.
8.33
